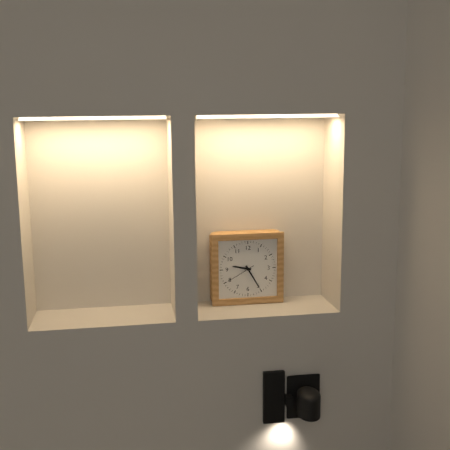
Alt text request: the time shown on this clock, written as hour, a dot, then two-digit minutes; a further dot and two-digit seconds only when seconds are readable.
9.25
